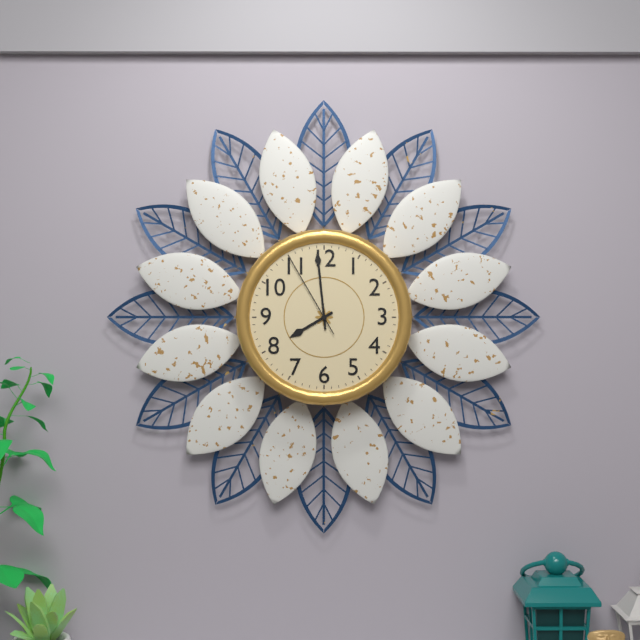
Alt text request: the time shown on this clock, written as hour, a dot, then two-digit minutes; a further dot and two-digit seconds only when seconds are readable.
7.59.55
